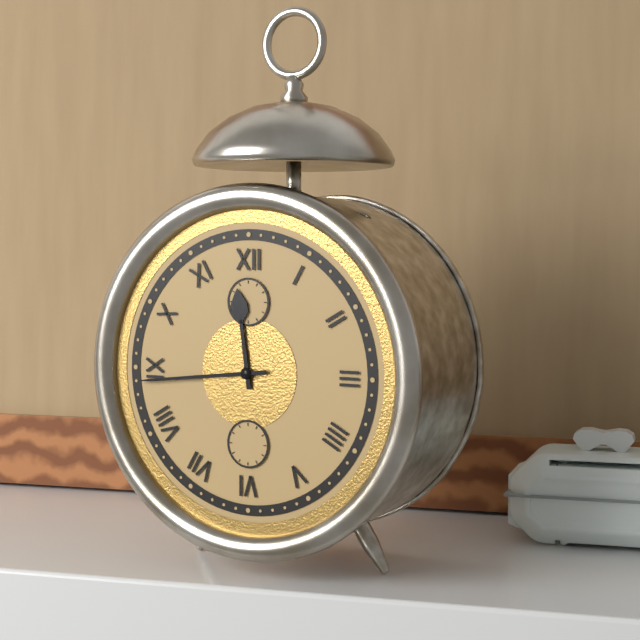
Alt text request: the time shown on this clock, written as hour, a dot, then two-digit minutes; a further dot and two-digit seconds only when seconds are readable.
11.44
